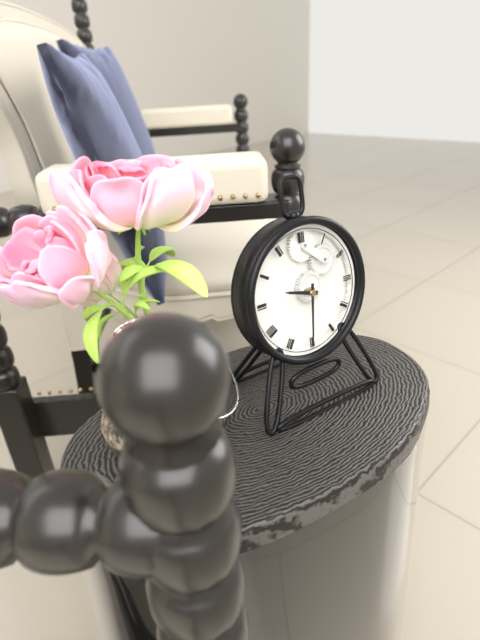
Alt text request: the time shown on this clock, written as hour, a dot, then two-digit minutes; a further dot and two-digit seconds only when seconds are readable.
9.31
